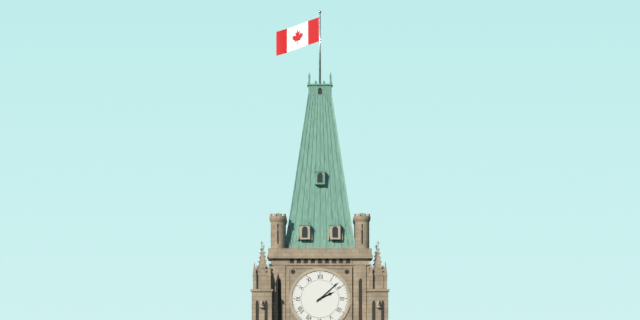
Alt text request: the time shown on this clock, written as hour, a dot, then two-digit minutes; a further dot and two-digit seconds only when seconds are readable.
2.08
